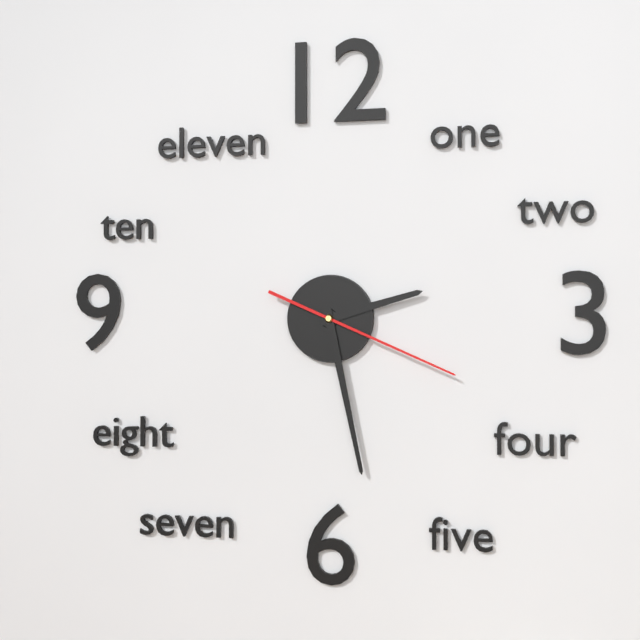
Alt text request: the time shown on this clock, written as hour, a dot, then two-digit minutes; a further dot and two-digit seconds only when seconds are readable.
2.28.19
